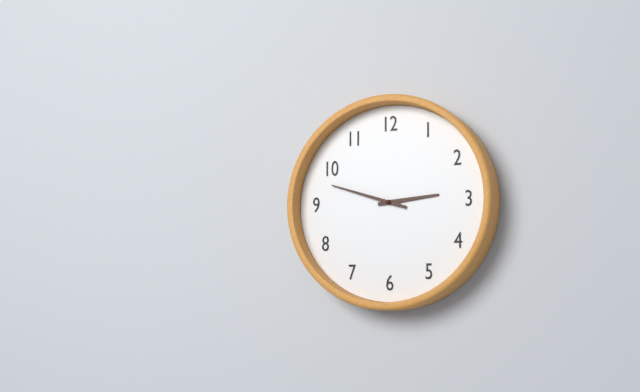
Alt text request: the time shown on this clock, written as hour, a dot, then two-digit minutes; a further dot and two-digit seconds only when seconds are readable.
2.48
